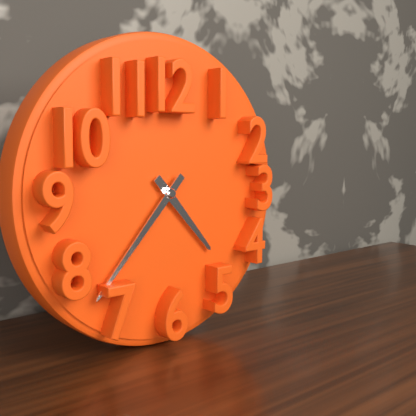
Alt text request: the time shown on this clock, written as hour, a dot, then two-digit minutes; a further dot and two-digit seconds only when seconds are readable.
4.37
